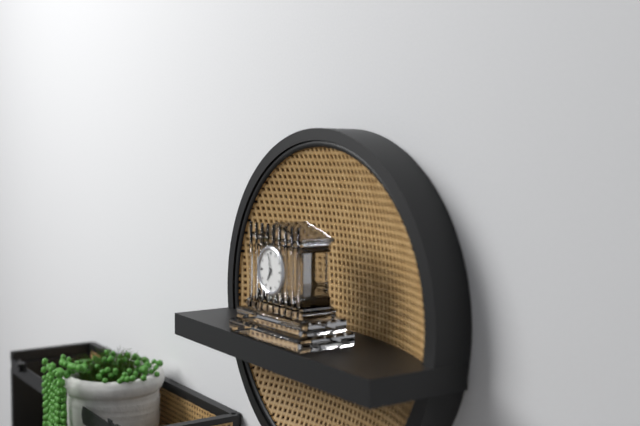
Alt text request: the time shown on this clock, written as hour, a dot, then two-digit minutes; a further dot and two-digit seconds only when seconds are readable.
6.58
